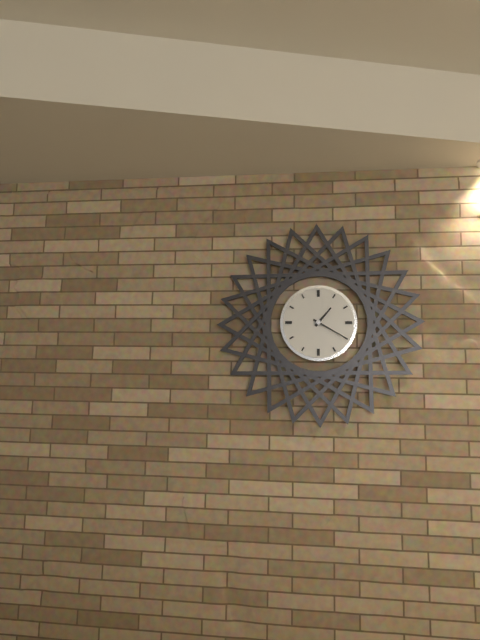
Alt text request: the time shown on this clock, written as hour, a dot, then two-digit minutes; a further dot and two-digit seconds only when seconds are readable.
1.20
